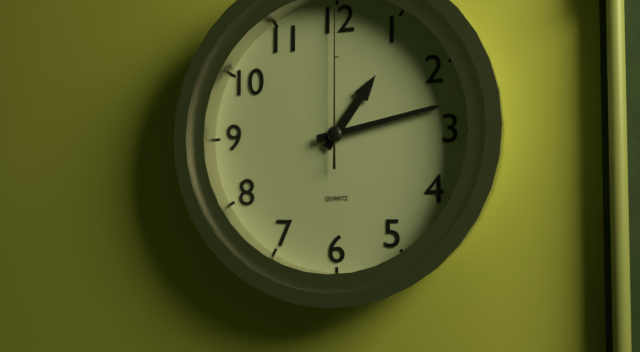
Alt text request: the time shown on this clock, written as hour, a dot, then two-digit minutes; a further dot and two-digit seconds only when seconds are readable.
1.13.00
